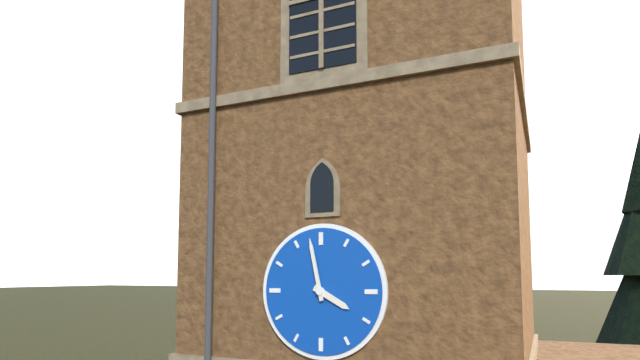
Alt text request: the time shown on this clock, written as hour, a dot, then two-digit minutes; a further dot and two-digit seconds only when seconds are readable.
3.58
